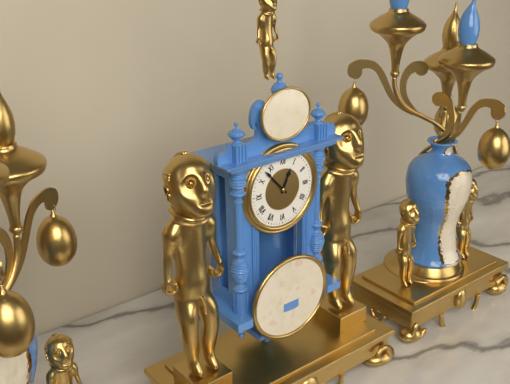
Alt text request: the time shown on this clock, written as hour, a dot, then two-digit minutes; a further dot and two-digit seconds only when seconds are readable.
12.53
